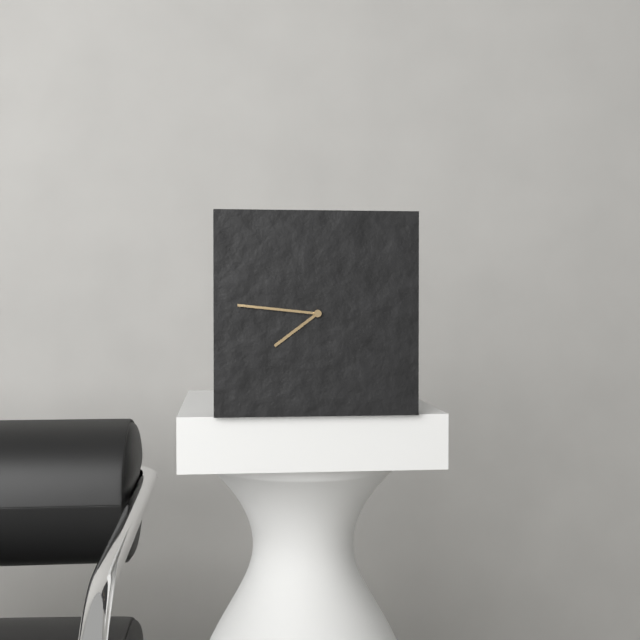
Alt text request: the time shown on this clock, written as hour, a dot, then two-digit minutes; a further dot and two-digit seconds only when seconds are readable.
7.46
